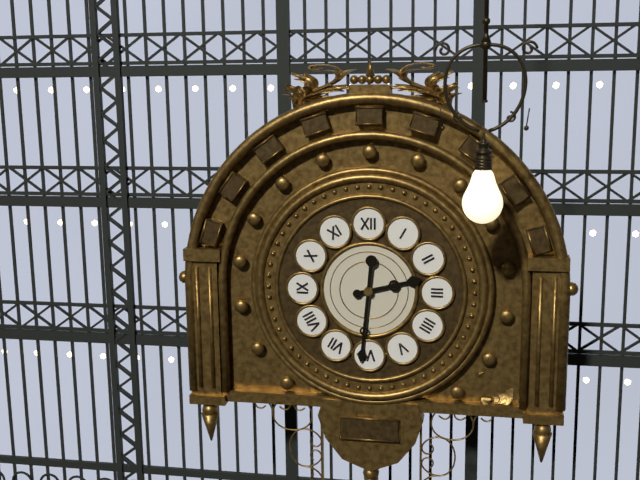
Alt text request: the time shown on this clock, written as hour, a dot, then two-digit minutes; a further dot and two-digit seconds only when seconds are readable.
2.31
